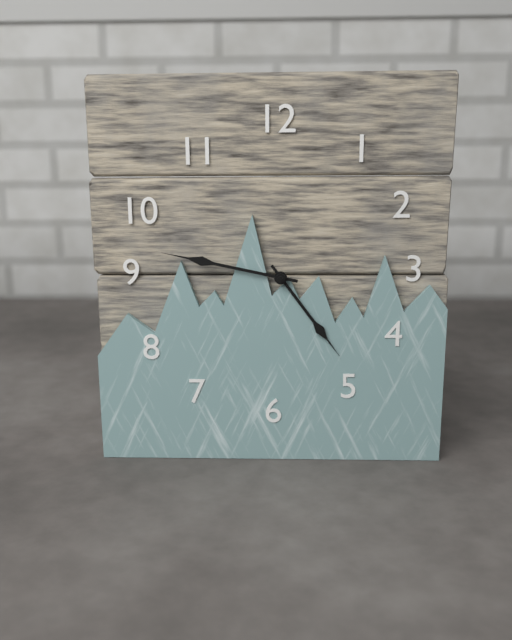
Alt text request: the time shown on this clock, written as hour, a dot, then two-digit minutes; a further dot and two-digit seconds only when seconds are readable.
4.47
